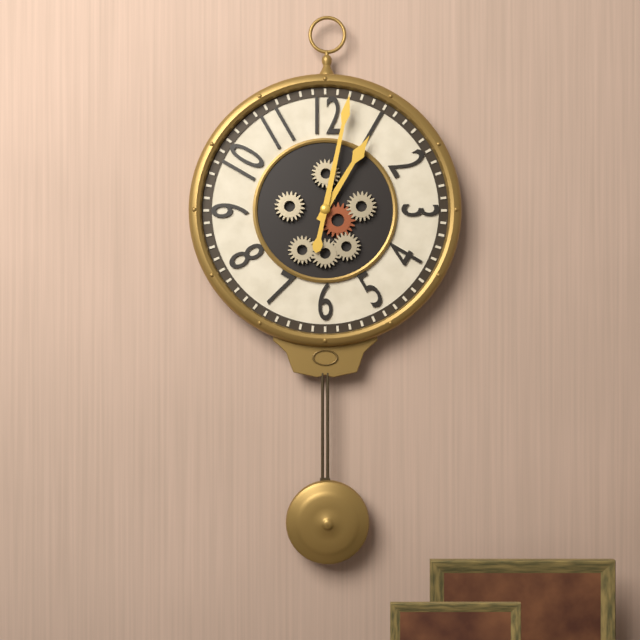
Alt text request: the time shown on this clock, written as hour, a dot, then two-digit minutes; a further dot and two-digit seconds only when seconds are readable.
1.02
